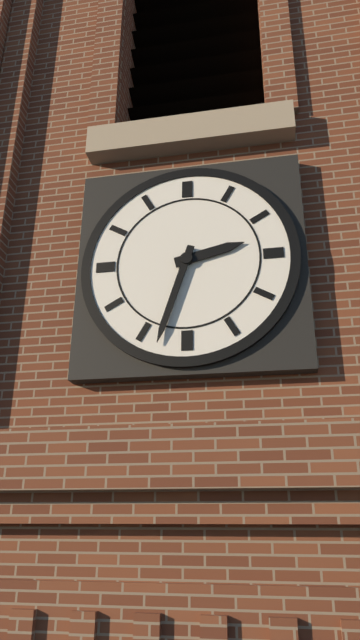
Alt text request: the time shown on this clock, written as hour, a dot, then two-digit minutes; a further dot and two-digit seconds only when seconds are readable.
2.33
